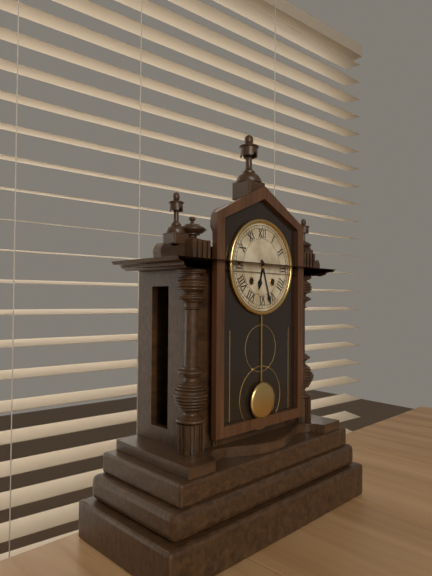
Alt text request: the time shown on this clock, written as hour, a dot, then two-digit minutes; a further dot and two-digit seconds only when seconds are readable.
6.27
